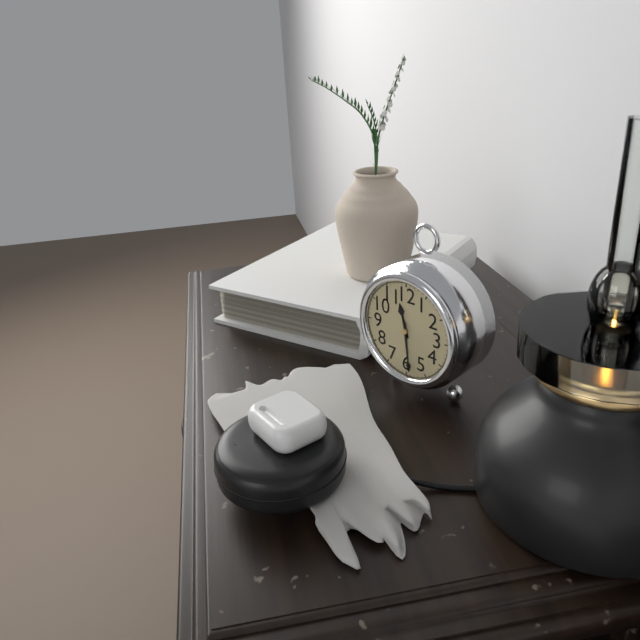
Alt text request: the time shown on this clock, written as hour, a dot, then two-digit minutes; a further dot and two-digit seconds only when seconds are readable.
11.29
